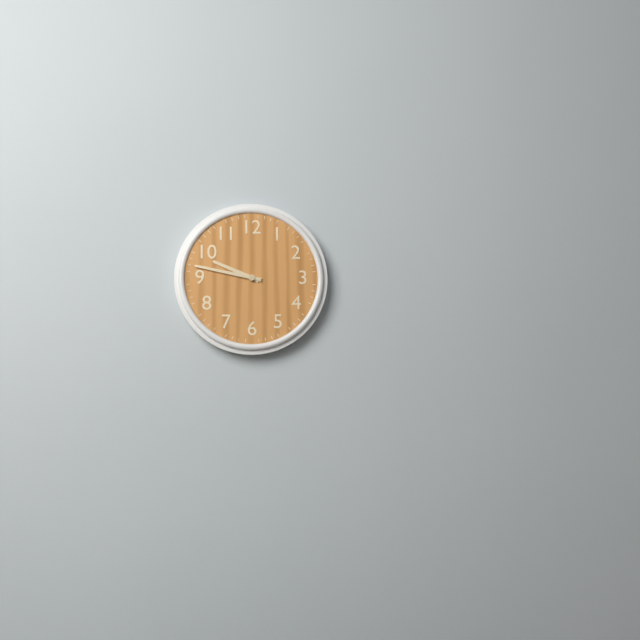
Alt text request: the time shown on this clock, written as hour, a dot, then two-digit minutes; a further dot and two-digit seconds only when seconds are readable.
9.47
